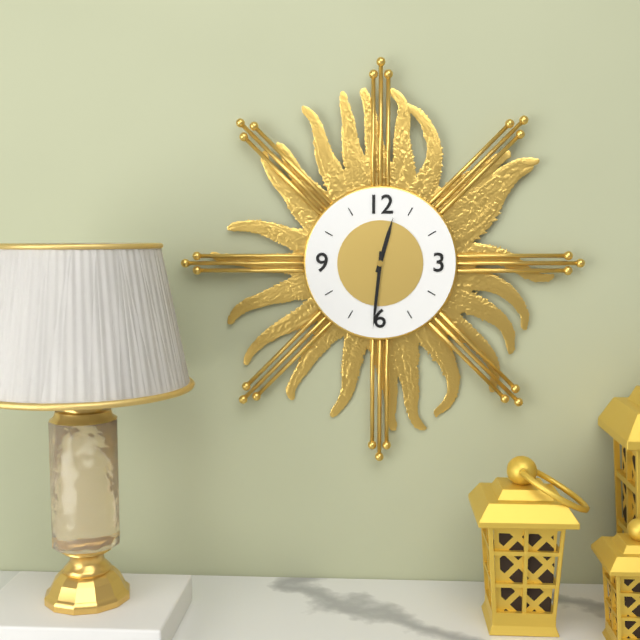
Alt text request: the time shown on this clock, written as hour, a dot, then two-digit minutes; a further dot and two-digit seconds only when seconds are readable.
12.31
